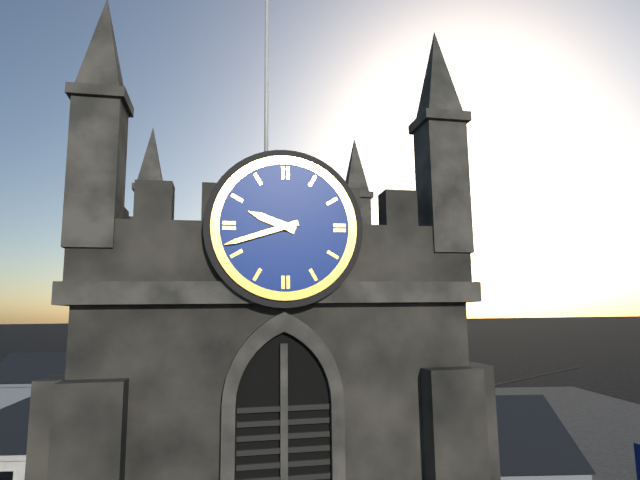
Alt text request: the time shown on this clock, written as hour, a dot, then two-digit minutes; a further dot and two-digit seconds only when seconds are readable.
9.42
